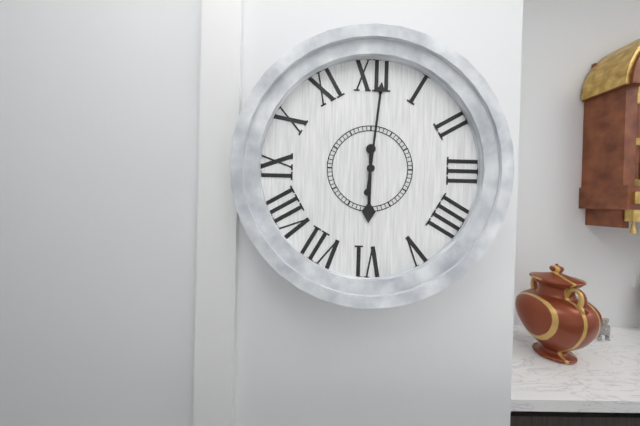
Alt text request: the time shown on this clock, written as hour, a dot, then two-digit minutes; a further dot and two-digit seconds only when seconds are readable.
6.01
